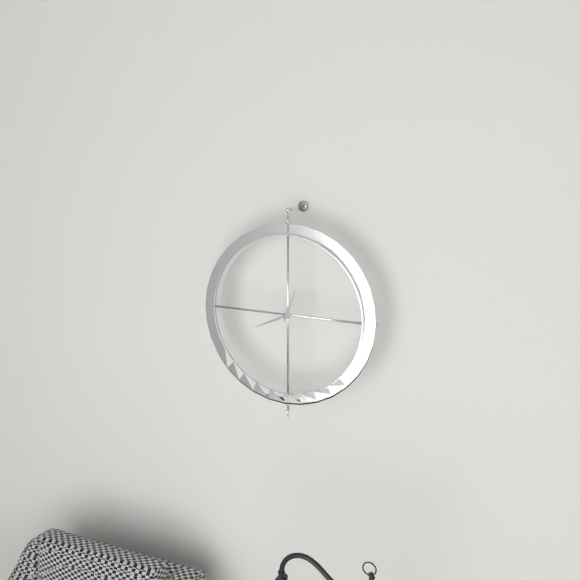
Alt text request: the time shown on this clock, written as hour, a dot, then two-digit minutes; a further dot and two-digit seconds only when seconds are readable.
12.41
